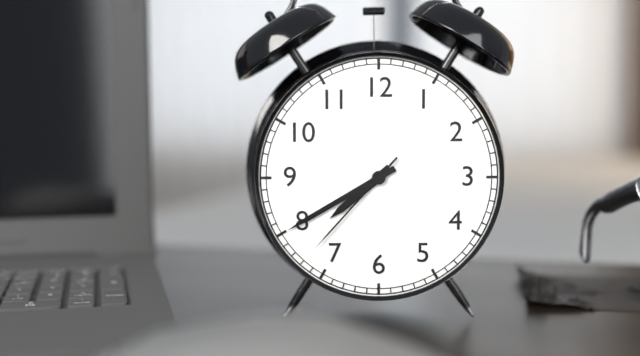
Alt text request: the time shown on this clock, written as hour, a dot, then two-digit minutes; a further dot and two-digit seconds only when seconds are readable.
7.40.37
